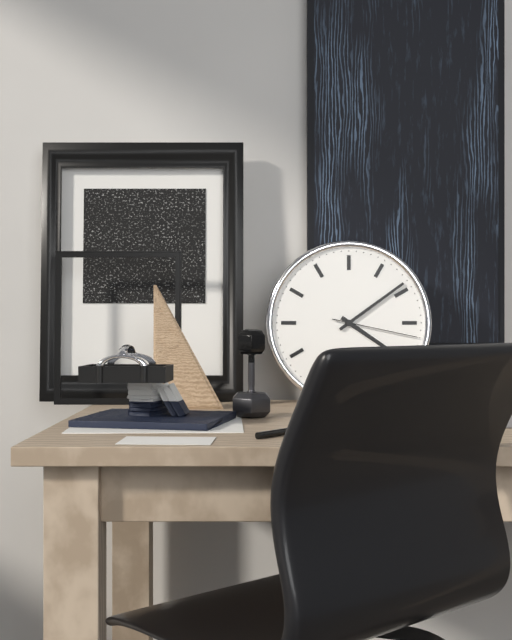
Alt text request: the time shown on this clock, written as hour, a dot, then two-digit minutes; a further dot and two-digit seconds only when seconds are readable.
4.09.17
